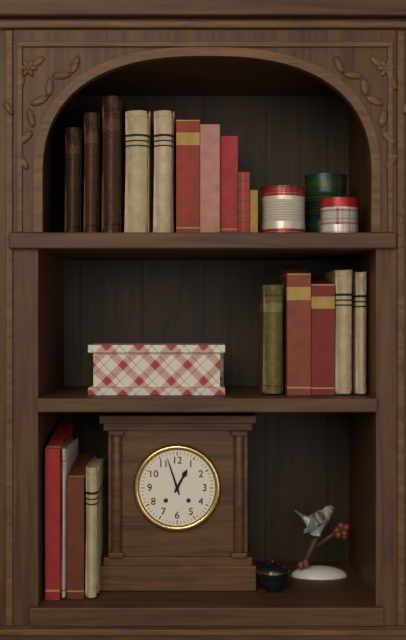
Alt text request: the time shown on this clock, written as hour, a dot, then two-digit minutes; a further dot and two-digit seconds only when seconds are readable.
12.57
